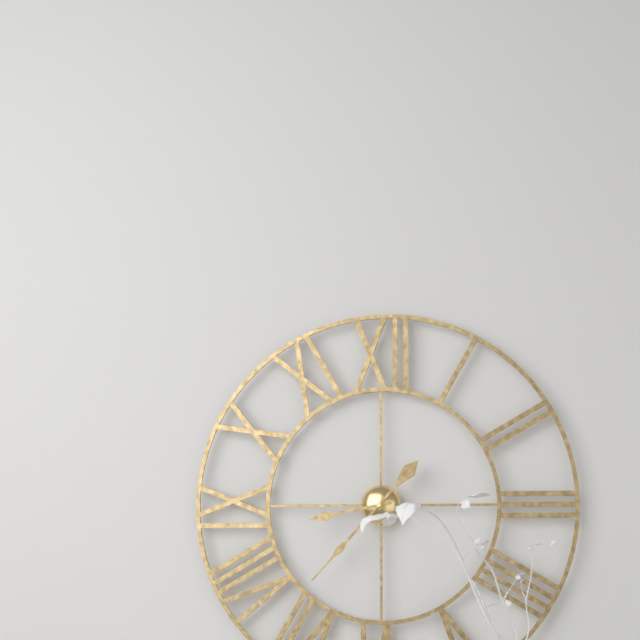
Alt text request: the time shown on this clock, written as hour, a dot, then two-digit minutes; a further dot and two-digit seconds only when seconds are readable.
8.37
